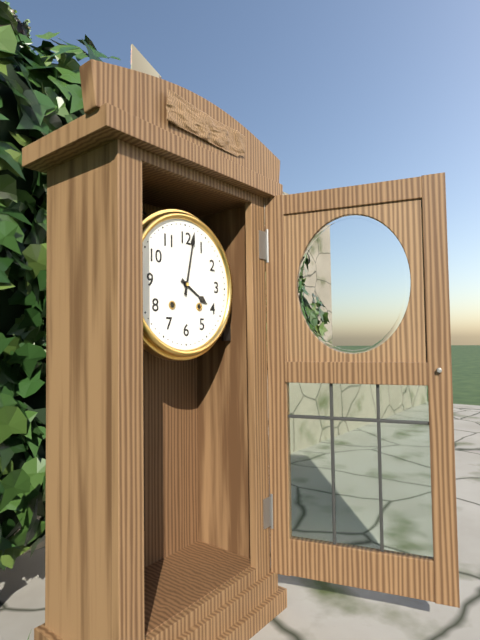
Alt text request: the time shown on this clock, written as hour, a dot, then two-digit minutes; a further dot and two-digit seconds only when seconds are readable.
4.02
